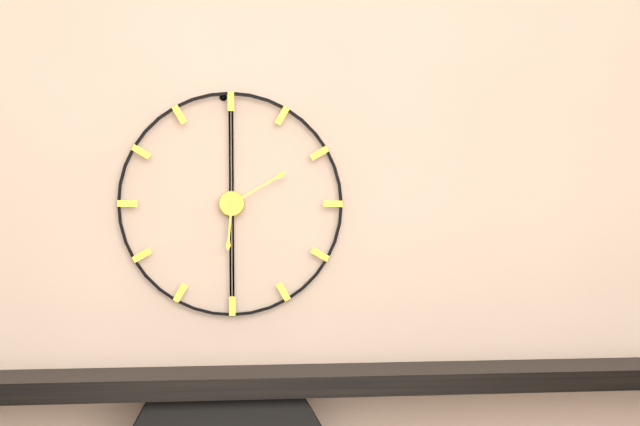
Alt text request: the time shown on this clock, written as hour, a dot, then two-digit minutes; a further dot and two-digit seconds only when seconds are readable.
6.10
